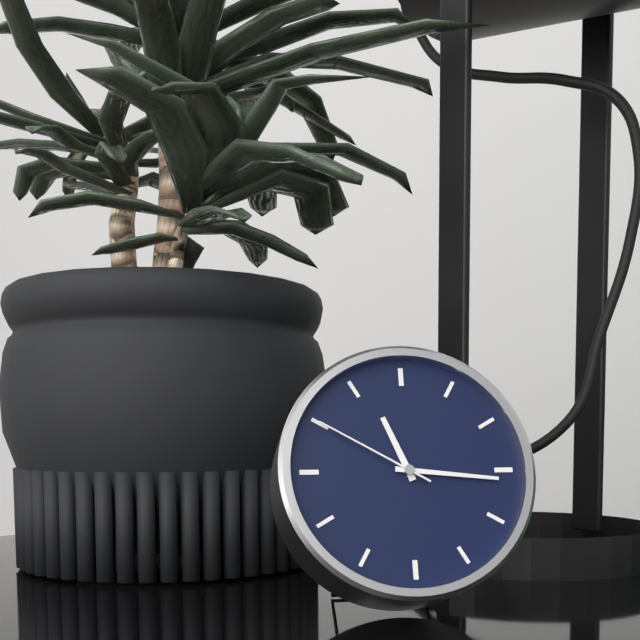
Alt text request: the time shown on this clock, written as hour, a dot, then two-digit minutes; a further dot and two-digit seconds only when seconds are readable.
11.16.50
